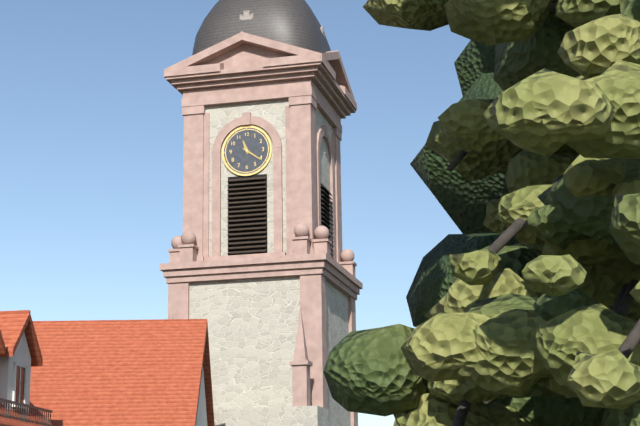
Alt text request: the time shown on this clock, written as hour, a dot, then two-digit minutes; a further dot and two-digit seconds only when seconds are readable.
11.21
